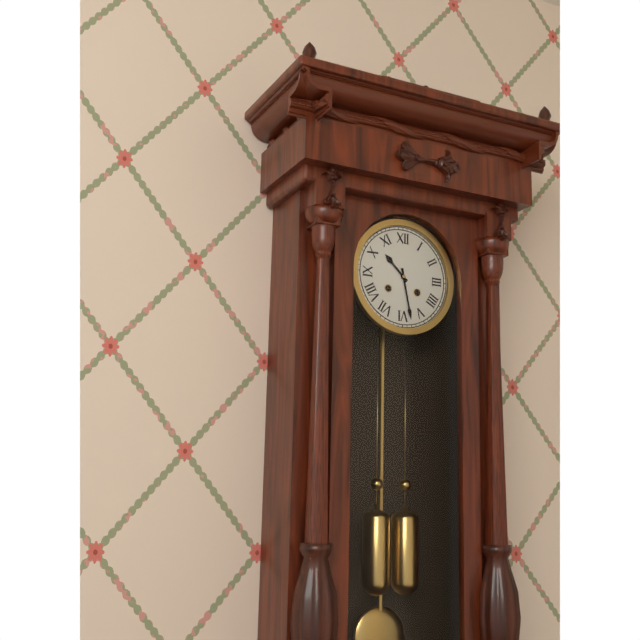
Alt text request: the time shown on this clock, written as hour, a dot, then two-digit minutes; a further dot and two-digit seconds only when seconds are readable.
10.28
